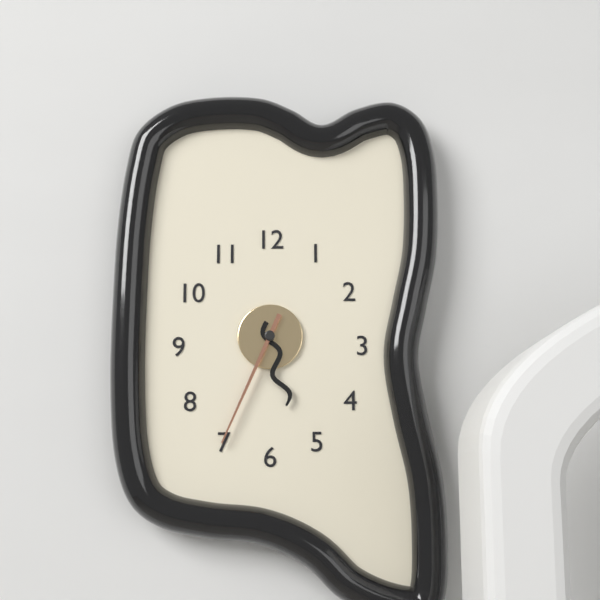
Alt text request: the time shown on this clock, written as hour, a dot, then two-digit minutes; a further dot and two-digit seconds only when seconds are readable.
5.34
